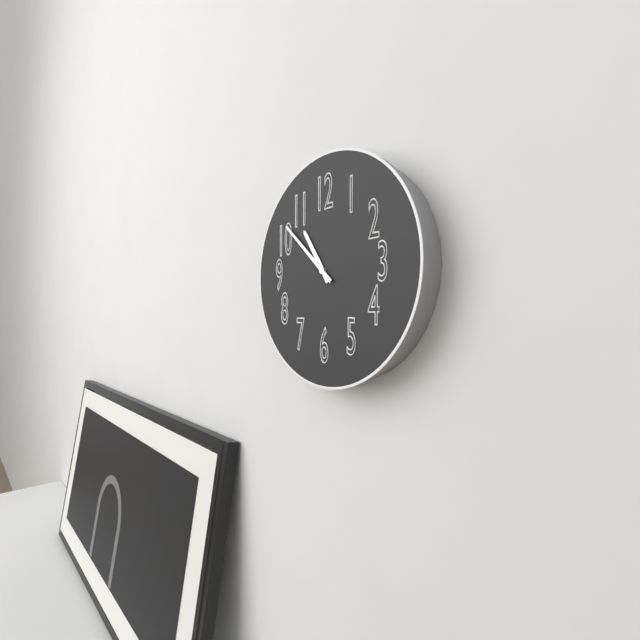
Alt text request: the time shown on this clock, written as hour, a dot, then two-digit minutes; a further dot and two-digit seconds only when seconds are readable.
10.52
